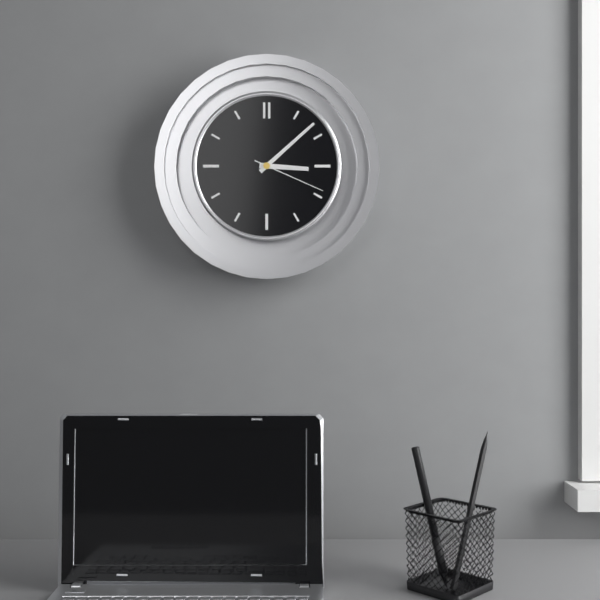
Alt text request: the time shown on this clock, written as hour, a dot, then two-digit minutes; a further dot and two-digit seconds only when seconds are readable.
3.08.19
